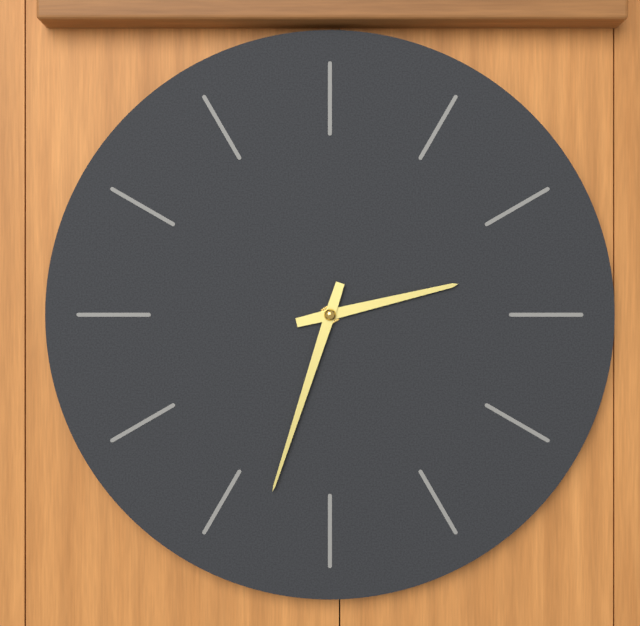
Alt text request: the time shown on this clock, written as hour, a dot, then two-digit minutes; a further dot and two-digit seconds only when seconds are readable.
2.33
